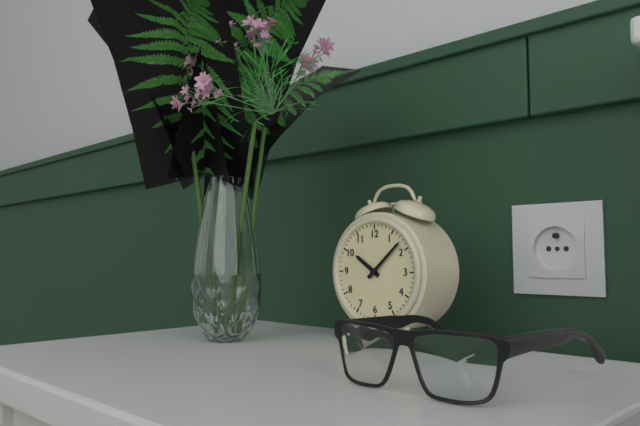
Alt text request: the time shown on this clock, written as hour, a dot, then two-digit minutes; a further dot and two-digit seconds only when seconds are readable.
10.08
